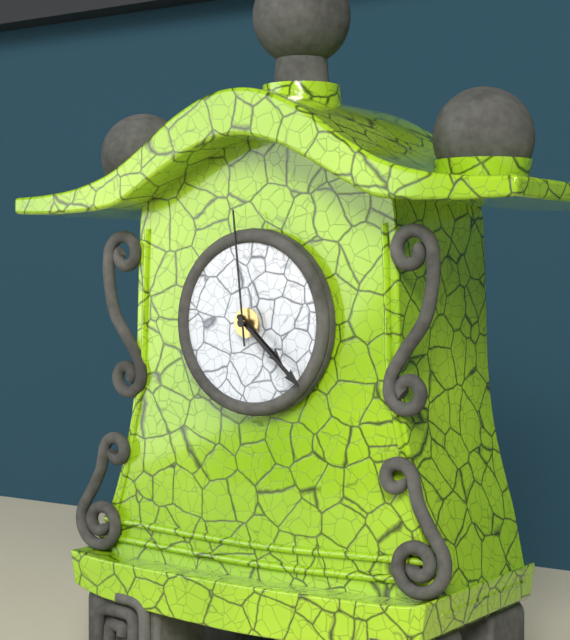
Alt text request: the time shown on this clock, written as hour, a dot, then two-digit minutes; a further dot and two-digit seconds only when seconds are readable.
4.22.59
